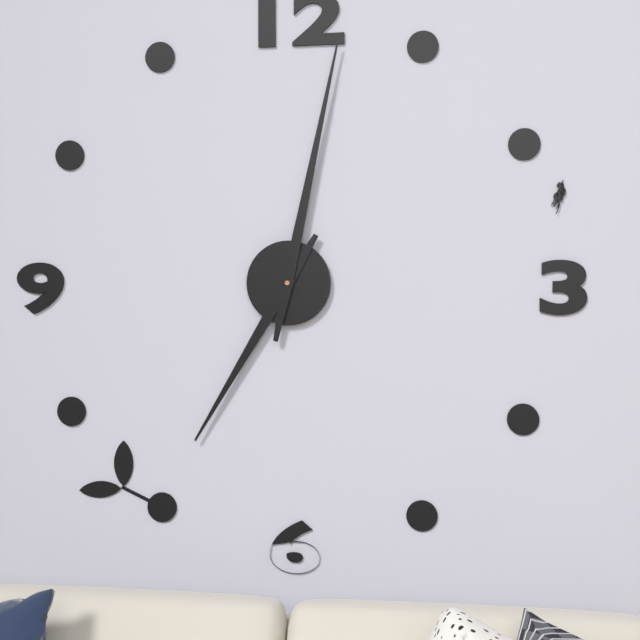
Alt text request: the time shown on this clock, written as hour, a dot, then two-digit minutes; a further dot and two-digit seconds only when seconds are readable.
7.02
